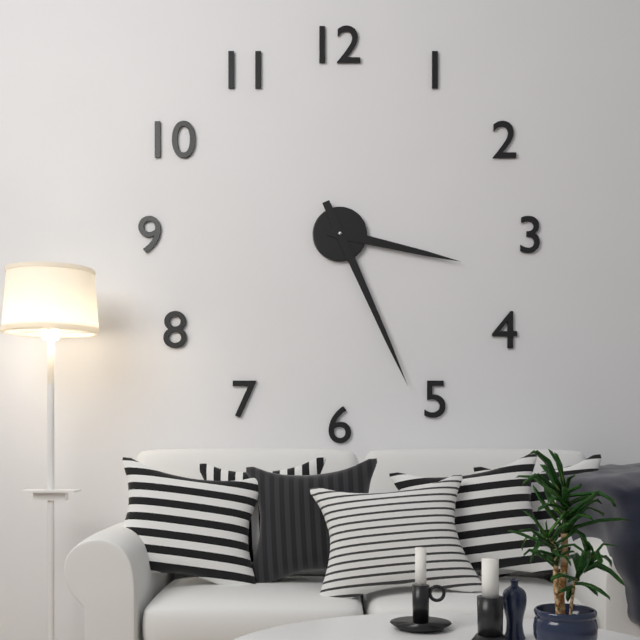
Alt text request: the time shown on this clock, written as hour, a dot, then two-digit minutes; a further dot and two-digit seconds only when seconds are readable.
3.26
